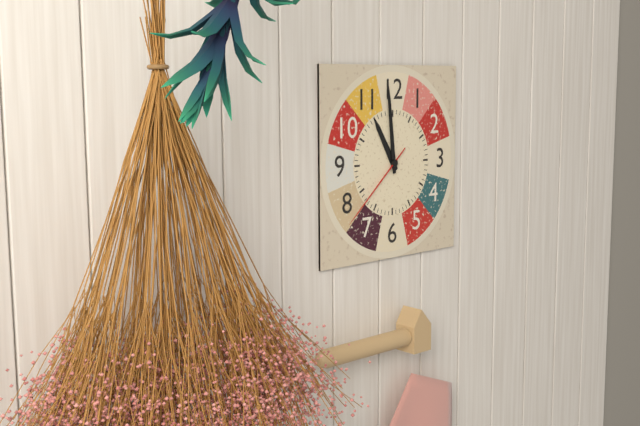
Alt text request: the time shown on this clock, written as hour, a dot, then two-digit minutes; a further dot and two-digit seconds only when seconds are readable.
10.59.38
